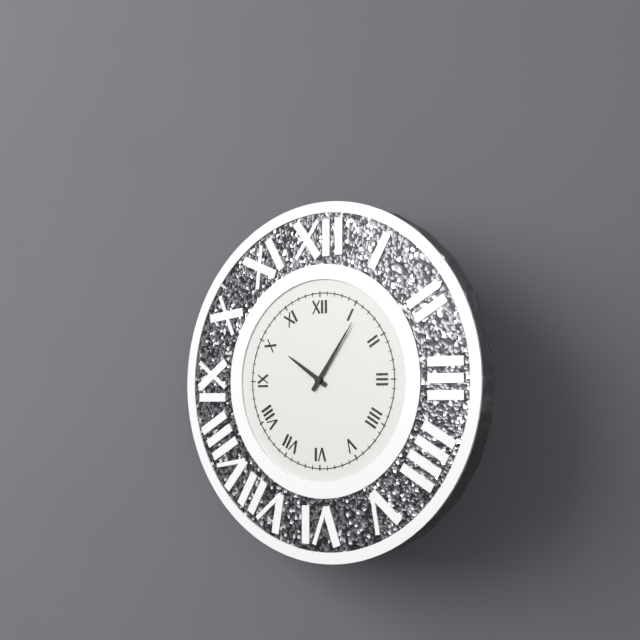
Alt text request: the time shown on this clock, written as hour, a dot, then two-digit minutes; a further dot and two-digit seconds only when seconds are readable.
10.06
